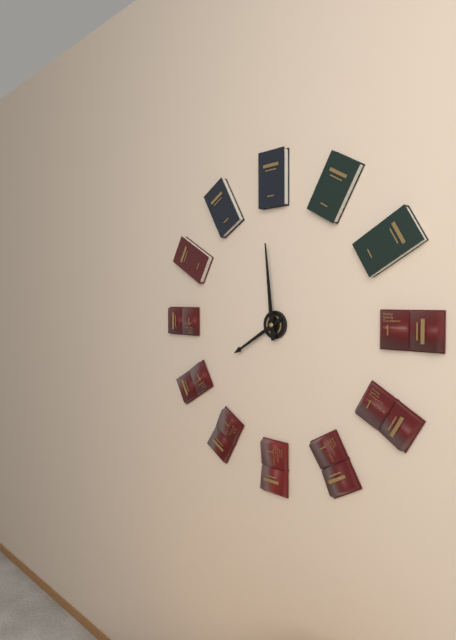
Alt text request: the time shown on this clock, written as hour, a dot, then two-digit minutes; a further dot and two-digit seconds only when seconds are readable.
7.59
